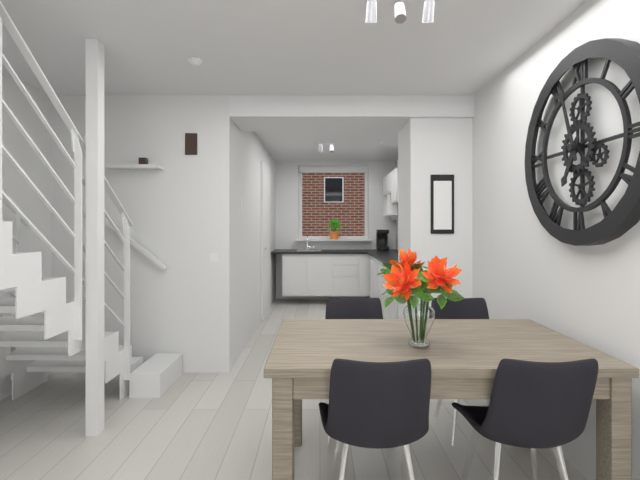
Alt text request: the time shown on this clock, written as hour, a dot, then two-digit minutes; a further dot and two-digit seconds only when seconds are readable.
6.57
